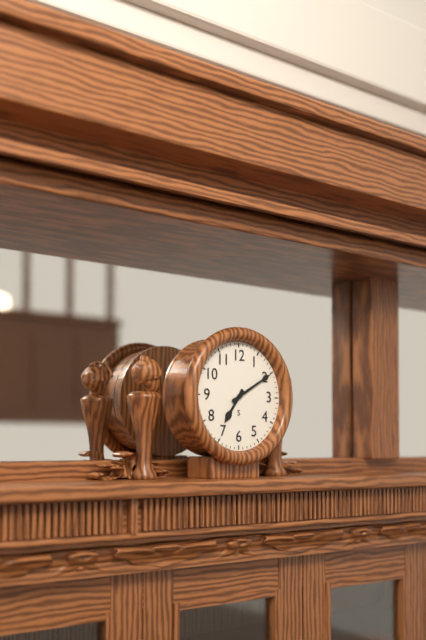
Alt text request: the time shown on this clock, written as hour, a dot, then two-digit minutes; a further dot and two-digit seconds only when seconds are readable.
7.10
